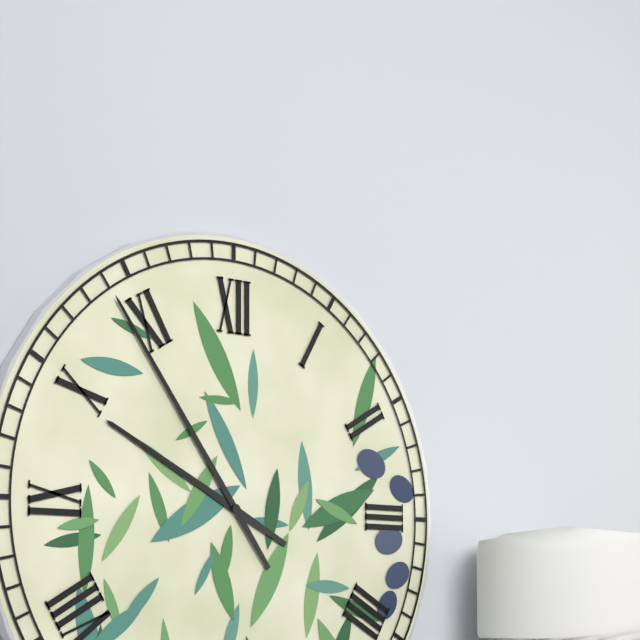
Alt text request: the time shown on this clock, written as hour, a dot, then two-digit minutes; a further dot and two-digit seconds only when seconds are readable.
9.54
